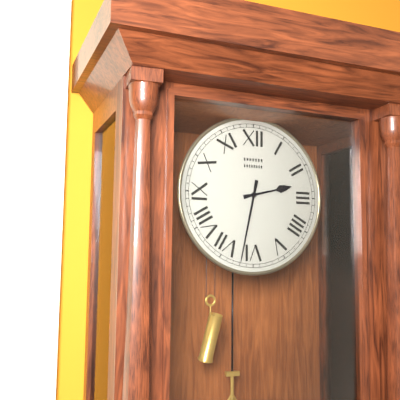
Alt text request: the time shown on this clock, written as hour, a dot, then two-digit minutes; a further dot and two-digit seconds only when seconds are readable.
2.32
